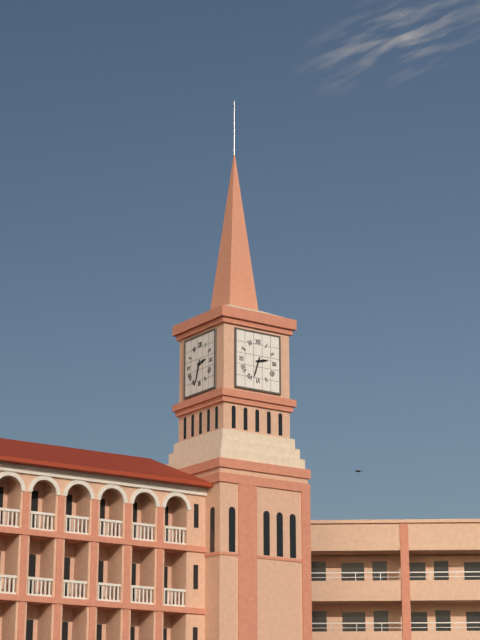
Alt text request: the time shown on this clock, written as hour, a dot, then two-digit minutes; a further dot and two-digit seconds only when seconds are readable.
2.33
